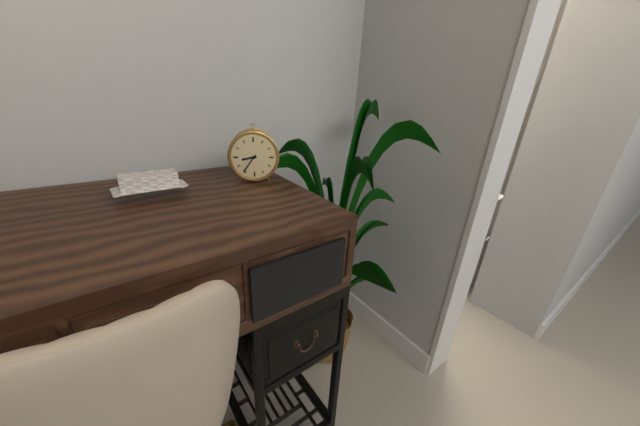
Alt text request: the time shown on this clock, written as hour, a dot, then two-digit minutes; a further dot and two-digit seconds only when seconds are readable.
8.36
